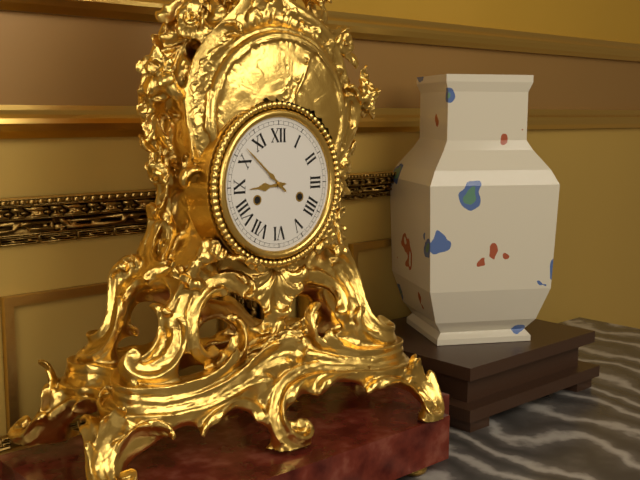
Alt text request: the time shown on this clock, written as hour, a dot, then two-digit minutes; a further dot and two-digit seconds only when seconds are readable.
8.52
